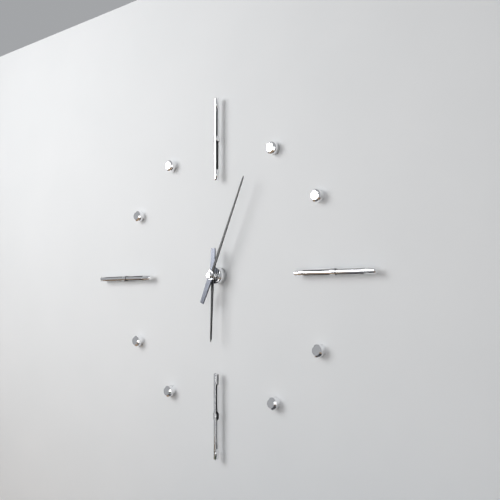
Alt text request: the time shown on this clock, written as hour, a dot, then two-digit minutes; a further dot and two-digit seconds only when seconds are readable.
6.04
